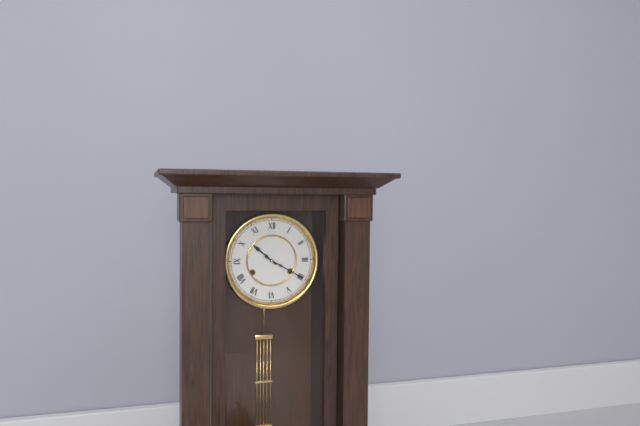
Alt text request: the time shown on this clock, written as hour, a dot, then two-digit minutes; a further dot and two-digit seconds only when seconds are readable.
10.20
